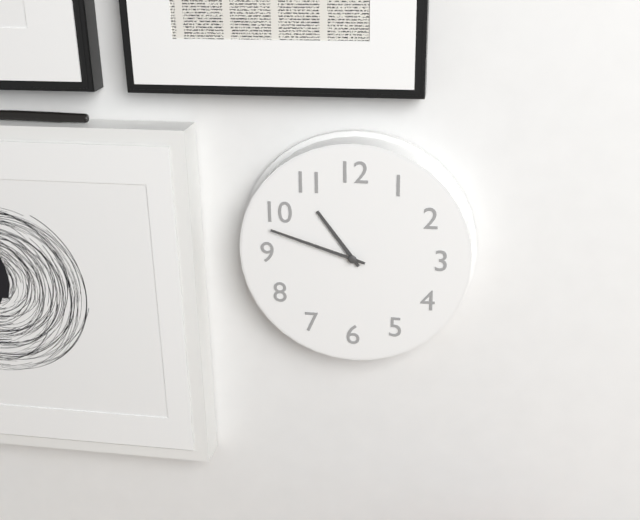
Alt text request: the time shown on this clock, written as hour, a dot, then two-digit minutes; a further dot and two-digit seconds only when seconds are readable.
10.48
